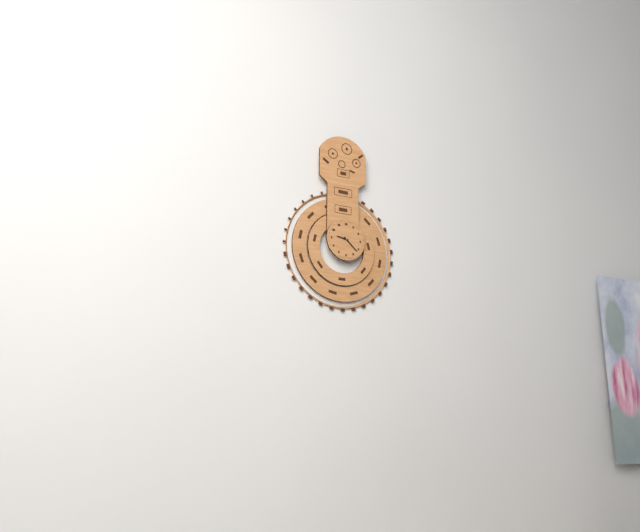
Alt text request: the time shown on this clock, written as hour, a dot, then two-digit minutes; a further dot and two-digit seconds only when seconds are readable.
9.22
